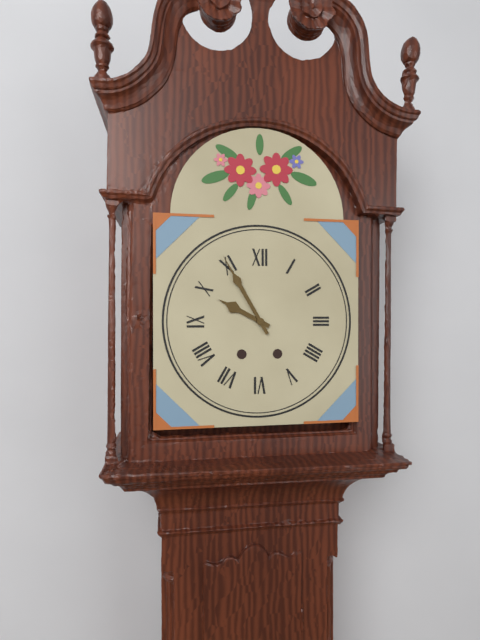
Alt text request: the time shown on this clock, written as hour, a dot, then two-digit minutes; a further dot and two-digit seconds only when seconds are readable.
9.55
